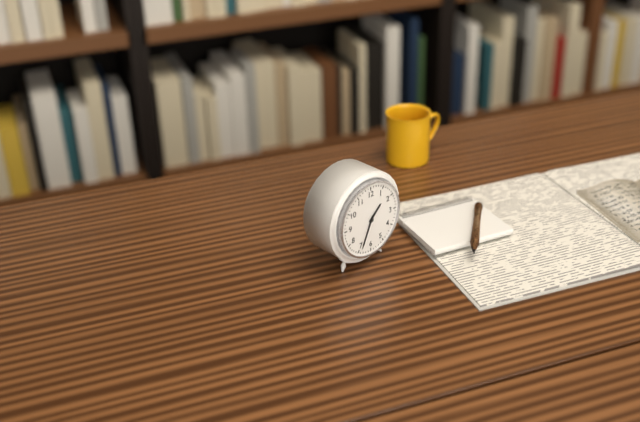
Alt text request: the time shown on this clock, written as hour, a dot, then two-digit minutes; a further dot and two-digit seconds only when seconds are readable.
1.34
